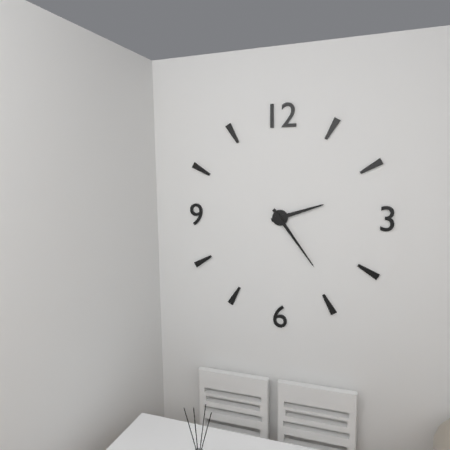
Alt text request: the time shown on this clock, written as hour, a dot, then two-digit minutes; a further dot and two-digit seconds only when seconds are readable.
2.24
